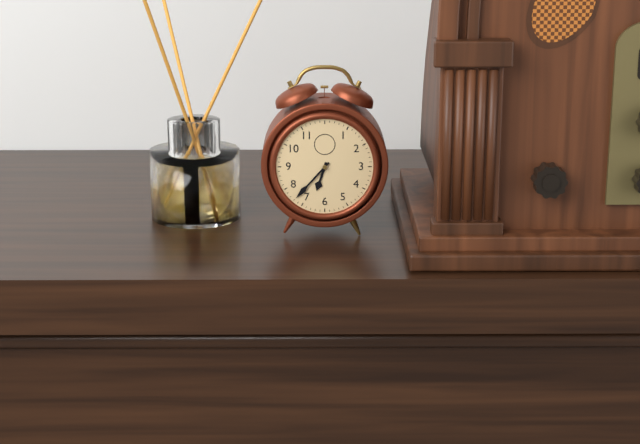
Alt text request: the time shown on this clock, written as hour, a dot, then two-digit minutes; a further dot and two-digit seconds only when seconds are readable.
6.37
